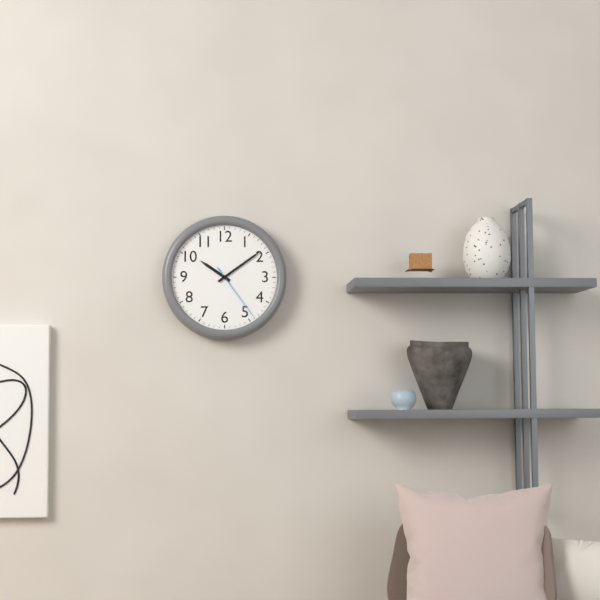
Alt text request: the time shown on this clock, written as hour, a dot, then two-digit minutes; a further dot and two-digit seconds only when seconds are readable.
10.09.24
